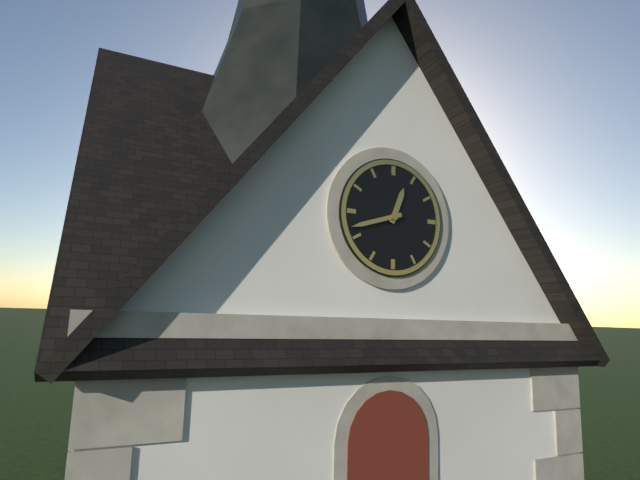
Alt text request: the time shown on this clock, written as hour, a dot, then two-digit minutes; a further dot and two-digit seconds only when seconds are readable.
12.42
